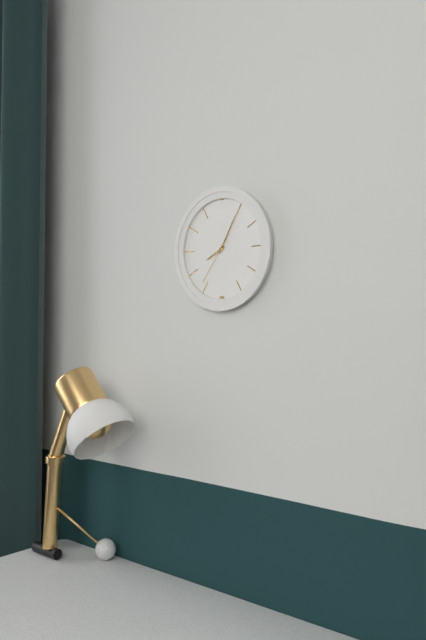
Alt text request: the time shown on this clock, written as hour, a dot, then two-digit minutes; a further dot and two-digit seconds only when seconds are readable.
8.05
